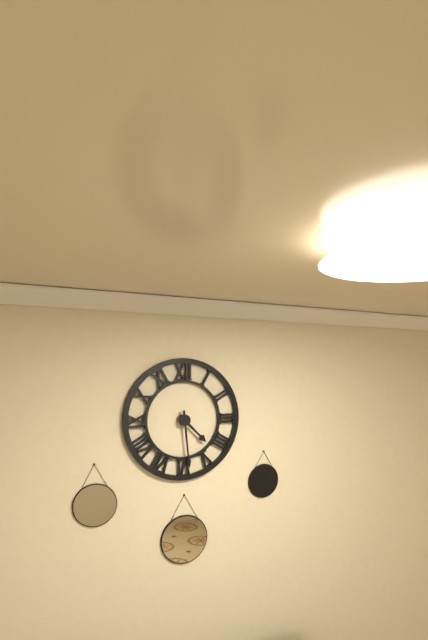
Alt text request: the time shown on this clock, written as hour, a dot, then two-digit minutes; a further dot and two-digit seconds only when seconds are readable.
4.29
